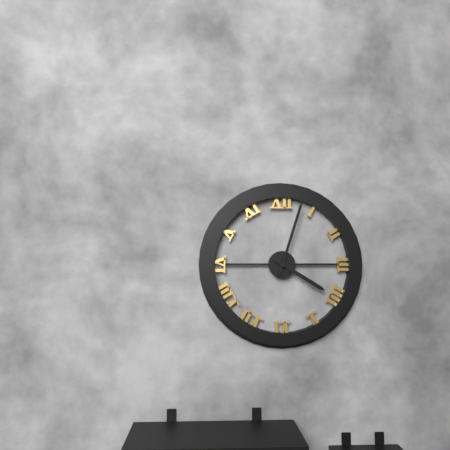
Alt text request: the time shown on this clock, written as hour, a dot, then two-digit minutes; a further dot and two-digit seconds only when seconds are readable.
4.03
